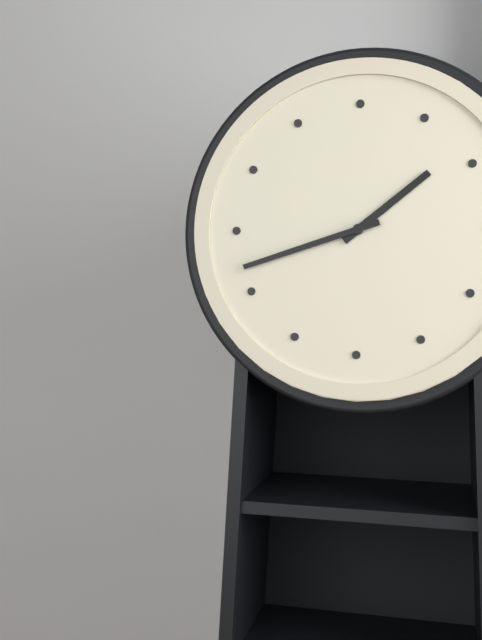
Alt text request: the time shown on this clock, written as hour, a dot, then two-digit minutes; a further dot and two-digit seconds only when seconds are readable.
1.42
